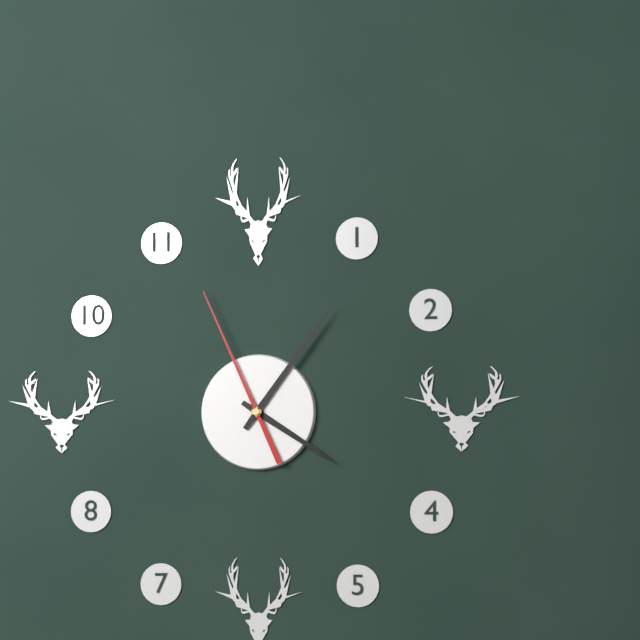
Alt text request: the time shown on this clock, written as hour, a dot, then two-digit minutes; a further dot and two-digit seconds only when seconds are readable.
4.06.56
